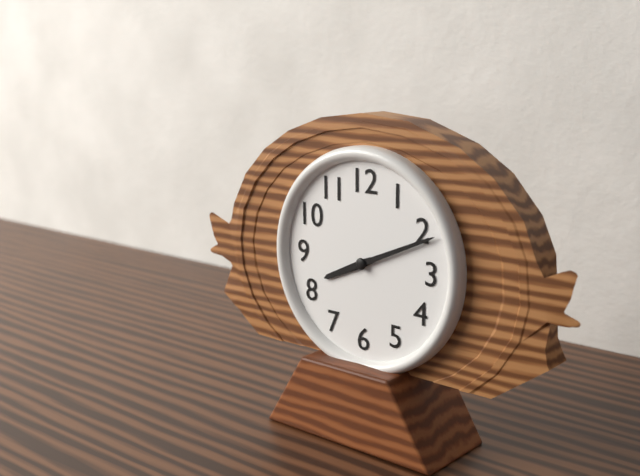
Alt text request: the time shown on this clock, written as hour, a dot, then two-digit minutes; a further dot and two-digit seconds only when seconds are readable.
8.11
